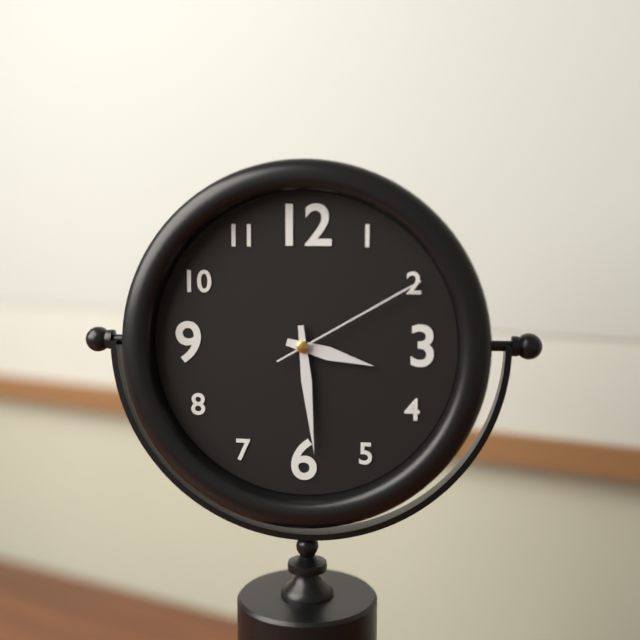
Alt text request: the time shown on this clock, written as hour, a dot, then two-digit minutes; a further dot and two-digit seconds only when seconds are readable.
3.29.10
